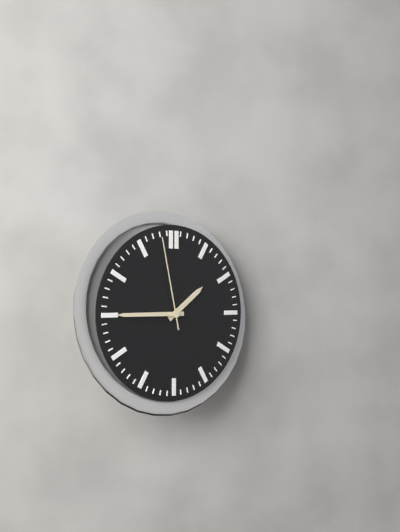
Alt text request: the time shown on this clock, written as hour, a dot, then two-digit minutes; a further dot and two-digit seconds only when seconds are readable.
1.45.58
